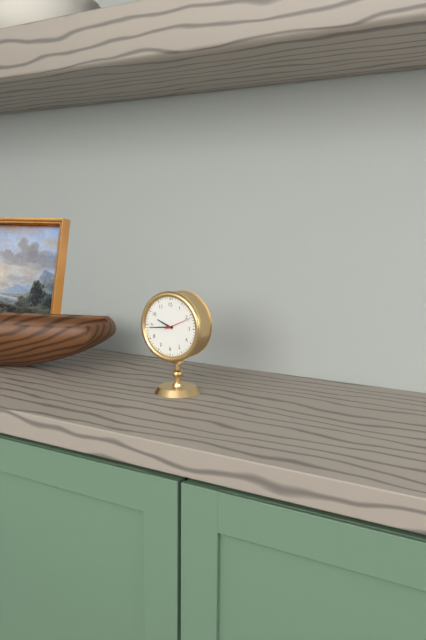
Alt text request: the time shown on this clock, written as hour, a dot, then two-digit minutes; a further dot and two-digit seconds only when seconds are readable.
9.44
